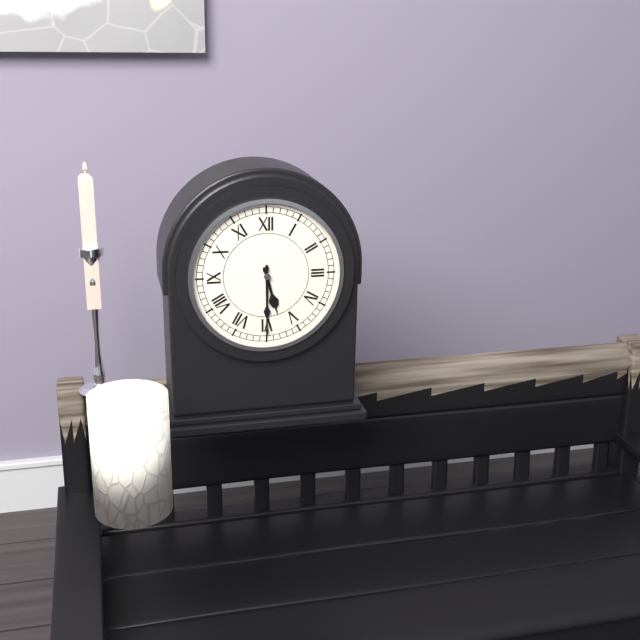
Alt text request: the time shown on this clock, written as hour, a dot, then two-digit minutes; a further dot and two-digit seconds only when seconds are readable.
5.30
